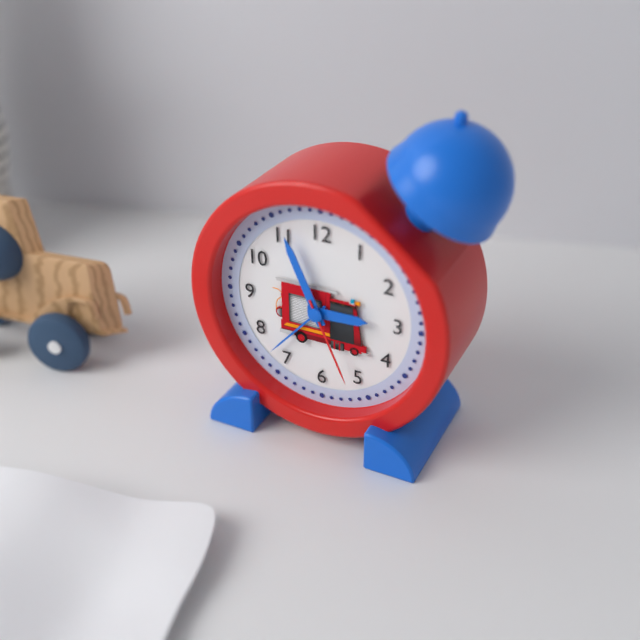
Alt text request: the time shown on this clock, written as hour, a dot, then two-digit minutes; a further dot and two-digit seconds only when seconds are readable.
2.56.26
